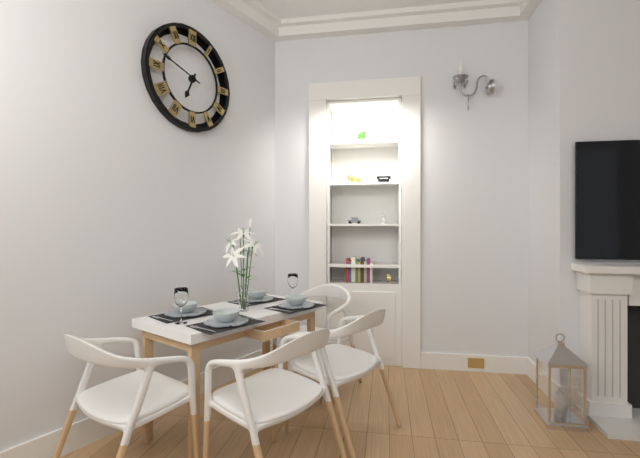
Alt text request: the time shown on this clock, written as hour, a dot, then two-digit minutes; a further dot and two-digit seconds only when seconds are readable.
6.48
